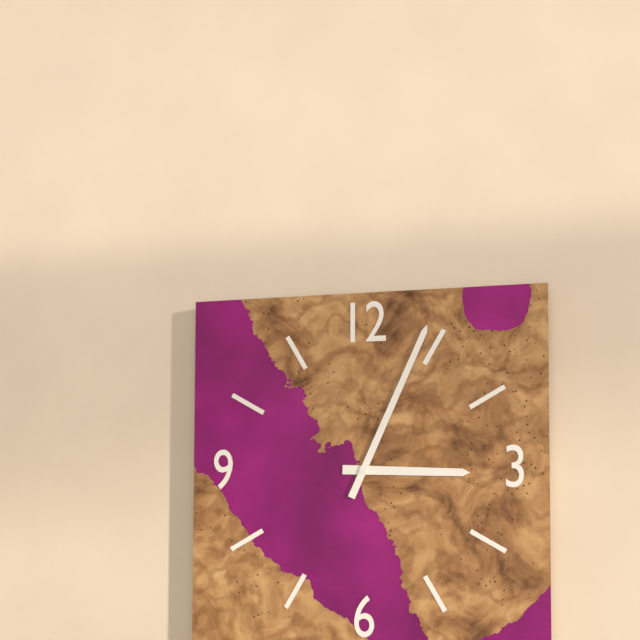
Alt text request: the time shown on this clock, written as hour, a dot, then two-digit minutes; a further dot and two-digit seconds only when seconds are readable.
3.04
